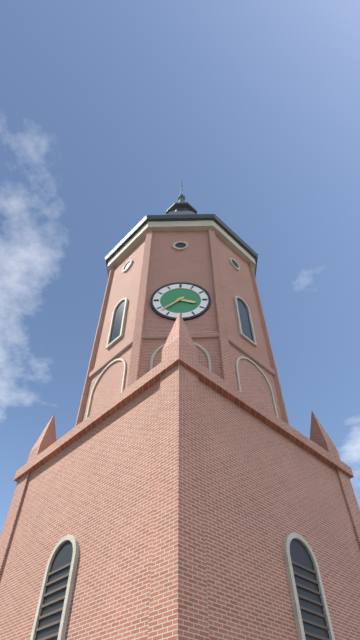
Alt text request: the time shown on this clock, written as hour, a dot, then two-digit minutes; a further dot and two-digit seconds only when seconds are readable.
3.38
